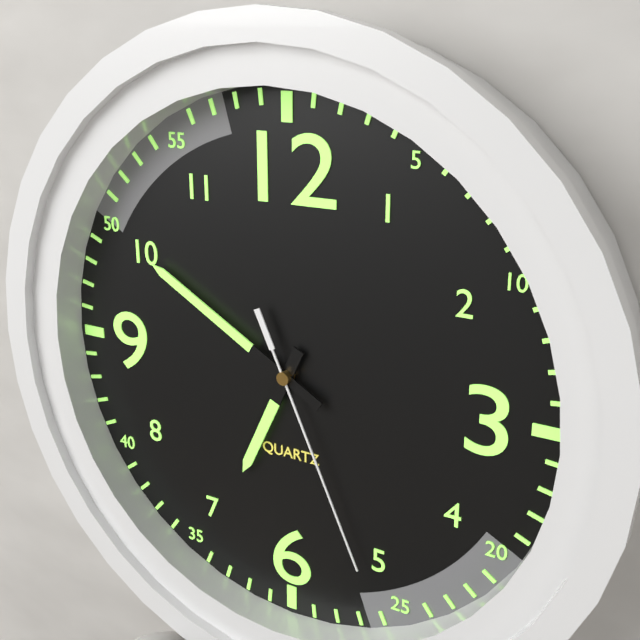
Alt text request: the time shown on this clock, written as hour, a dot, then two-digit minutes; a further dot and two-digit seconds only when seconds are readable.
6.50.26
